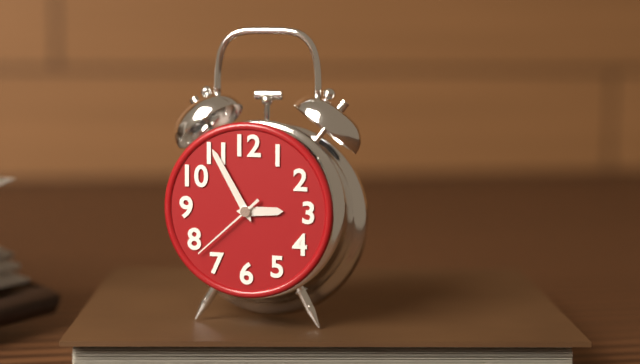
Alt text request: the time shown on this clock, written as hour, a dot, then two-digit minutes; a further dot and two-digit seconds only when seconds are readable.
2.55.38
